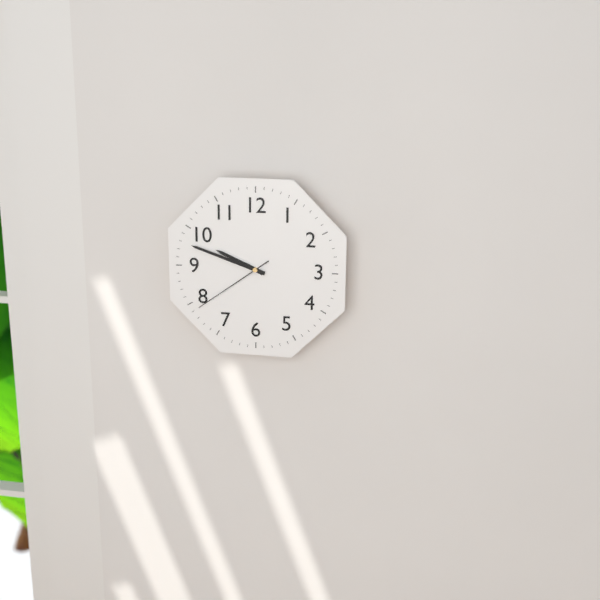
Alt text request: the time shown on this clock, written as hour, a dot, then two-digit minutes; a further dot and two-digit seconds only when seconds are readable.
9.48.39
